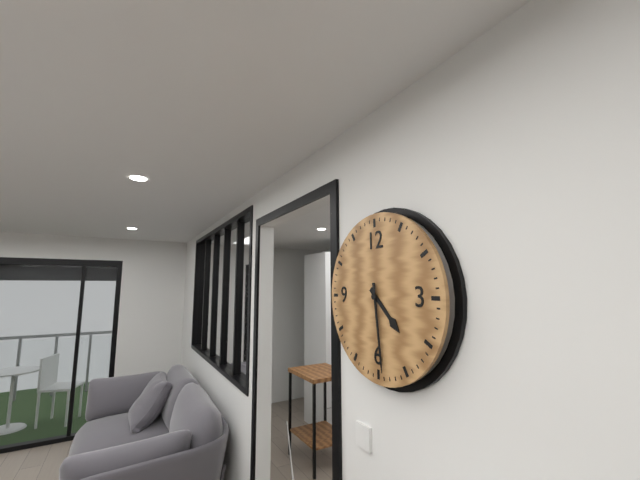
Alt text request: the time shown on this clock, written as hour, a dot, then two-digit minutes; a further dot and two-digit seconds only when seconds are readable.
4.29
